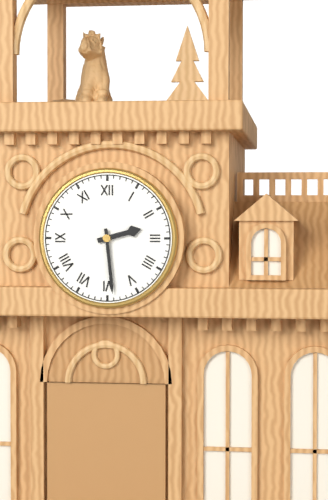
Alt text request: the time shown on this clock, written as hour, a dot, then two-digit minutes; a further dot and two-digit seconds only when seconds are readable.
2.29
